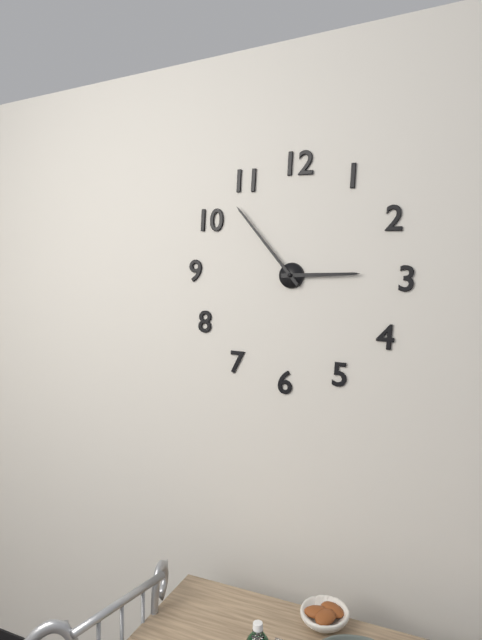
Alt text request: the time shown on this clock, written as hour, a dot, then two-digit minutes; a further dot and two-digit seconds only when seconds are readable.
2.53
